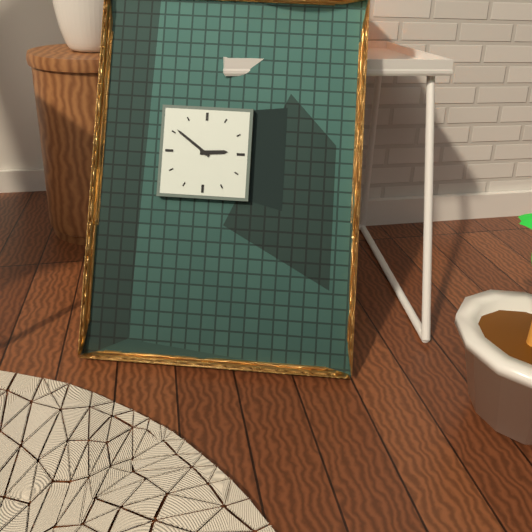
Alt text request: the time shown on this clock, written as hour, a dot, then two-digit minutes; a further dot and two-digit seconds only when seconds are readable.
2.51
